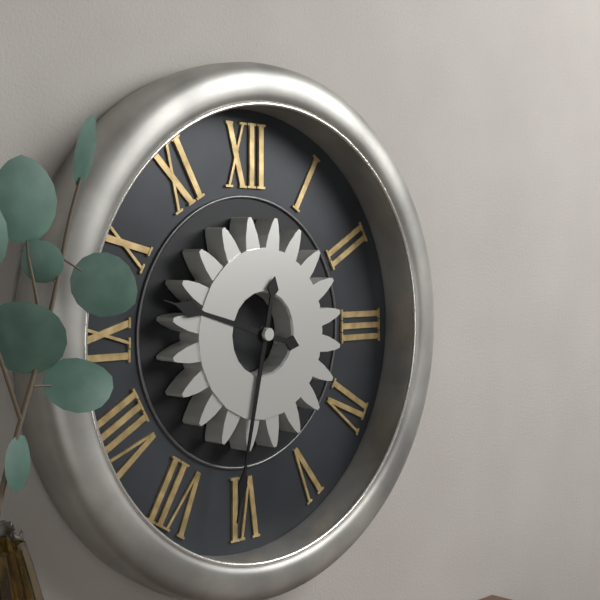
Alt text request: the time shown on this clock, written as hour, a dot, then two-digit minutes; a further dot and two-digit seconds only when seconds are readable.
9.32
